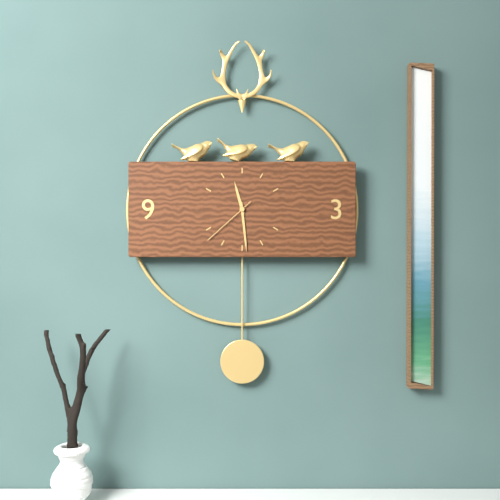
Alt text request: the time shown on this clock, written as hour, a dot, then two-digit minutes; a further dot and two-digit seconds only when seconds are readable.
11.29.38
